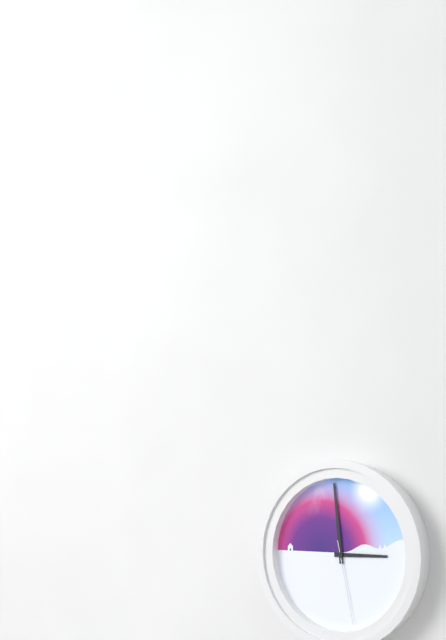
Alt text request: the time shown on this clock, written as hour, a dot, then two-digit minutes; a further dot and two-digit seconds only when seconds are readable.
2.59.28
